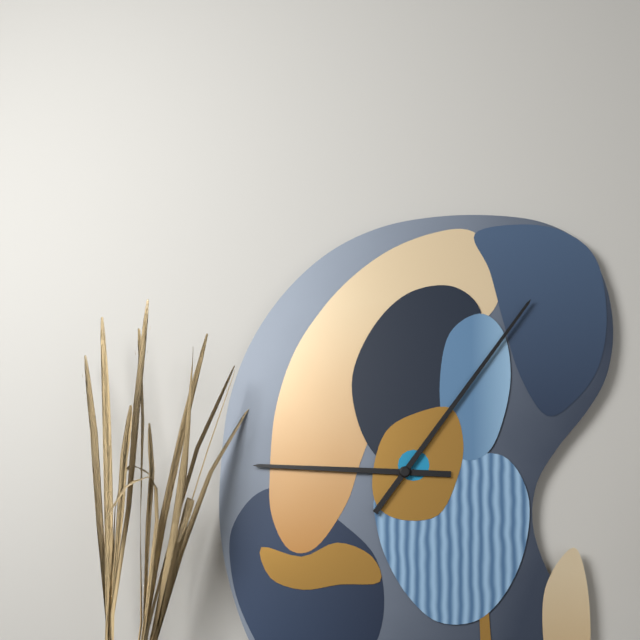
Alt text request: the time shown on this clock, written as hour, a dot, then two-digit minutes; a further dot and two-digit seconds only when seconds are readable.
9.06
